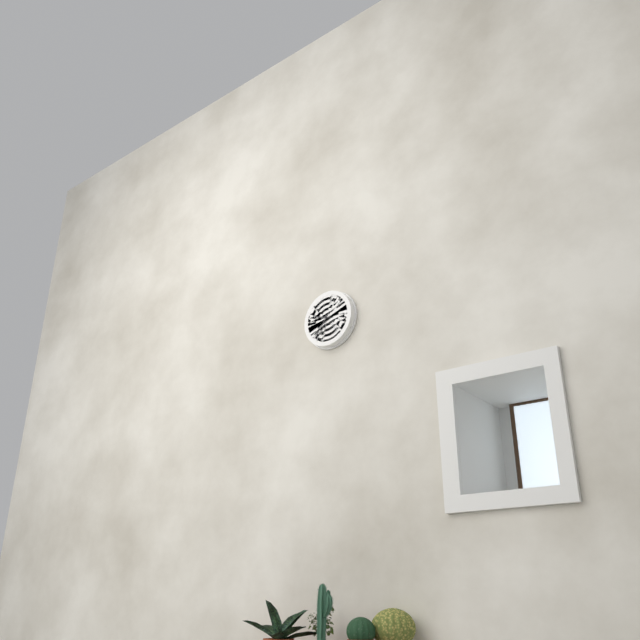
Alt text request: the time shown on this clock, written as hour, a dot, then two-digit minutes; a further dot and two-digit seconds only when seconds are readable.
9.36
